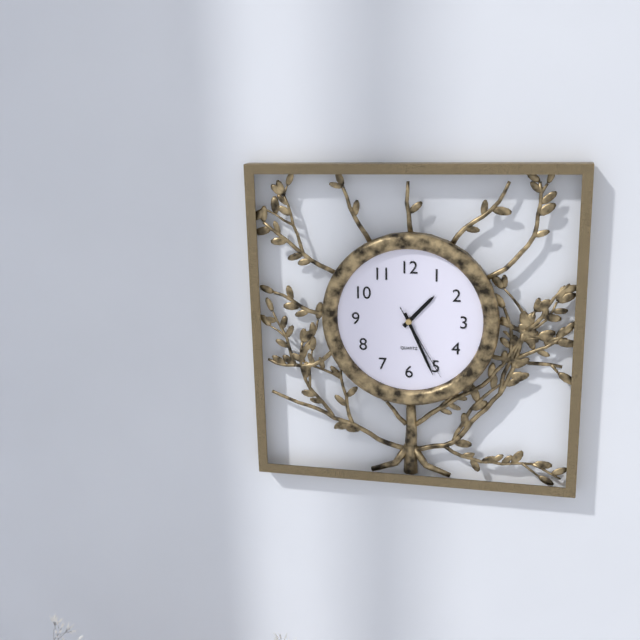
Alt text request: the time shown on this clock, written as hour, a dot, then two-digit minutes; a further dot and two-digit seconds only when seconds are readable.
1.26.25
